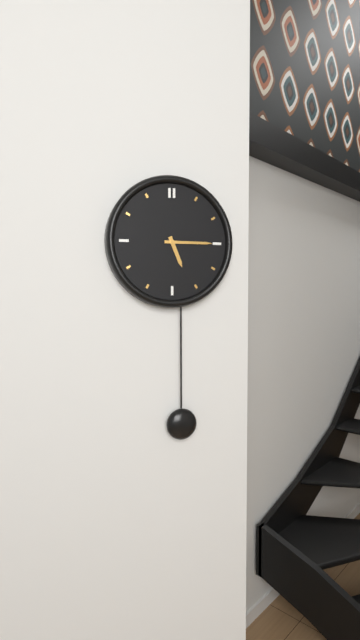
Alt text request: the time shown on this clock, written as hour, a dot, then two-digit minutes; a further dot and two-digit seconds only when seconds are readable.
5.15
